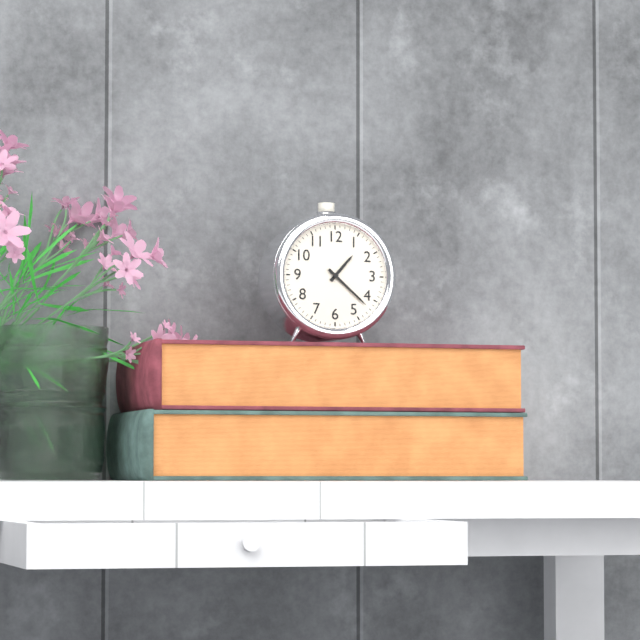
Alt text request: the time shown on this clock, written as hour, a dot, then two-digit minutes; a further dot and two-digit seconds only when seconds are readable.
1.22
